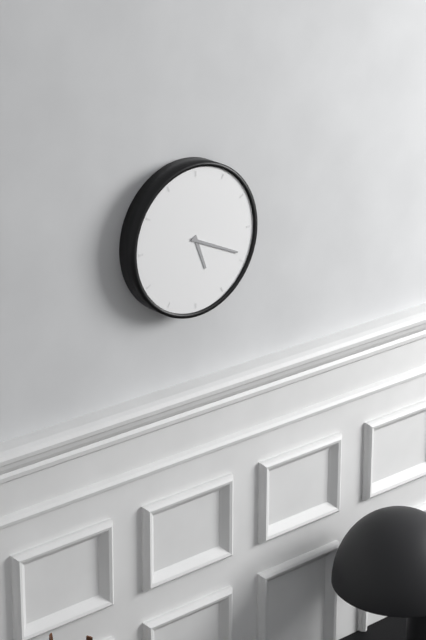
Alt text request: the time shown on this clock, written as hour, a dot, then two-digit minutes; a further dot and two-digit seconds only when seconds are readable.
5.19
